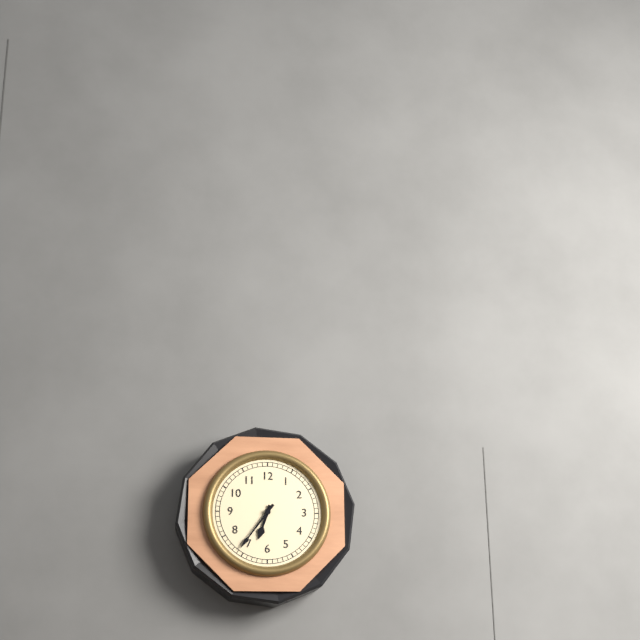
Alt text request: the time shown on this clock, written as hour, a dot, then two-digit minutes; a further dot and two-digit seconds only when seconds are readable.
6.36
